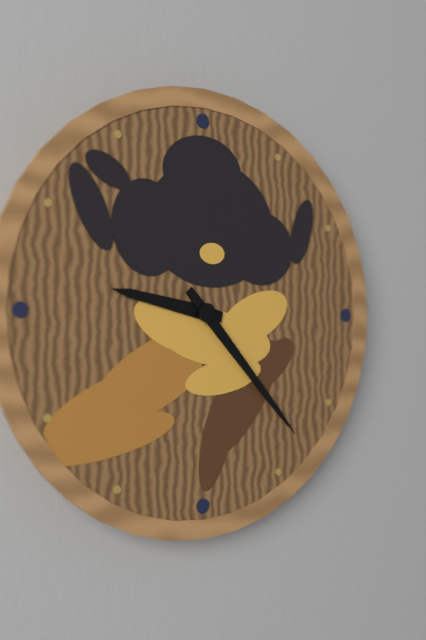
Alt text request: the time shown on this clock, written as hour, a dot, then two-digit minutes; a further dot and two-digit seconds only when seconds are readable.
9.23
